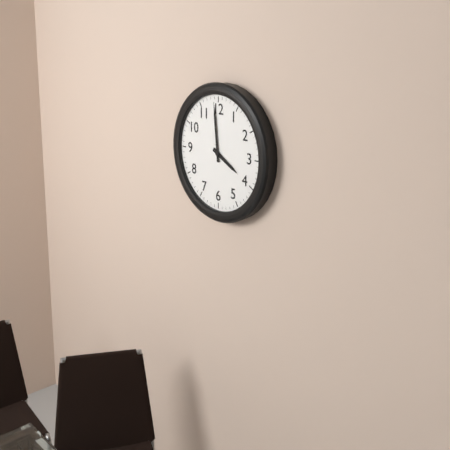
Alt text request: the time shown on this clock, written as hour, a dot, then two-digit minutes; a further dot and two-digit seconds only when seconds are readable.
3.59
